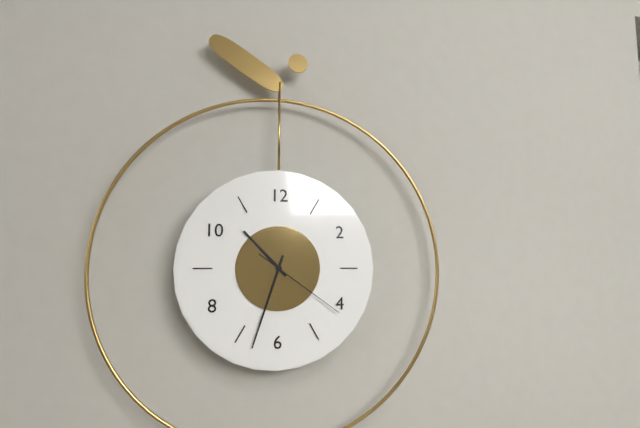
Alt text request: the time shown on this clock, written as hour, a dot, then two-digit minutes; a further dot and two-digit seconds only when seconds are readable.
10.33.21
